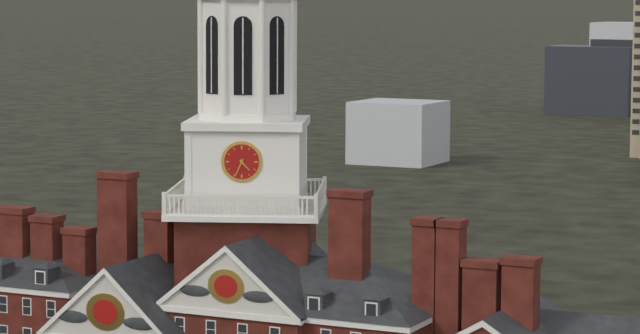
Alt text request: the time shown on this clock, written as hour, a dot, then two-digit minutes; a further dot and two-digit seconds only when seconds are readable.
4.34
